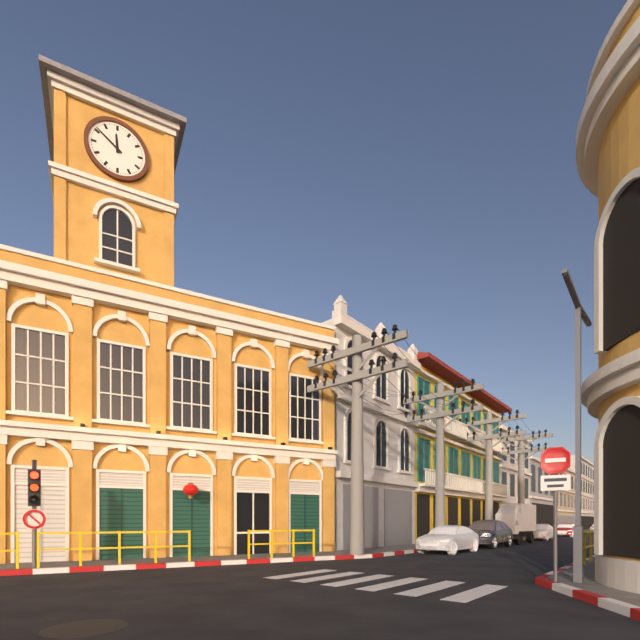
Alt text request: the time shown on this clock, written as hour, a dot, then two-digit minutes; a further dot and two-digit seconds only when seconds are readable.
11.51
